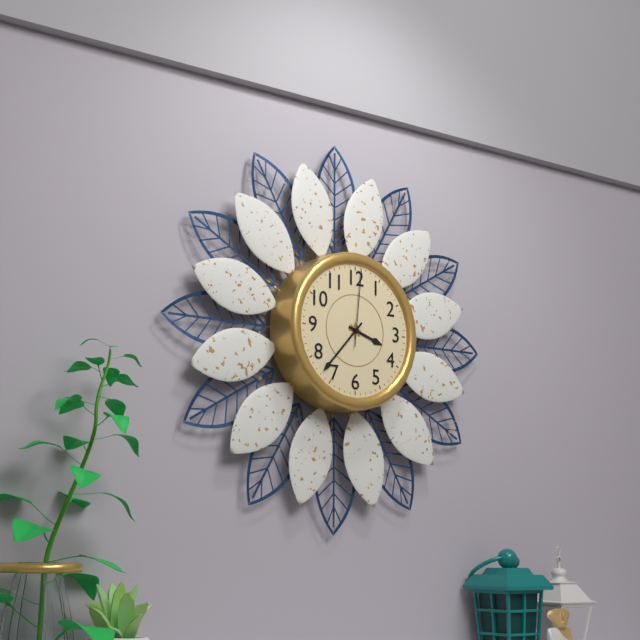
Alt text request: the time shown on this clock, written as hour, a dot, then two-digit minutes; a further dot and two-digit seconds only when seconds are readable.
3.37.01
